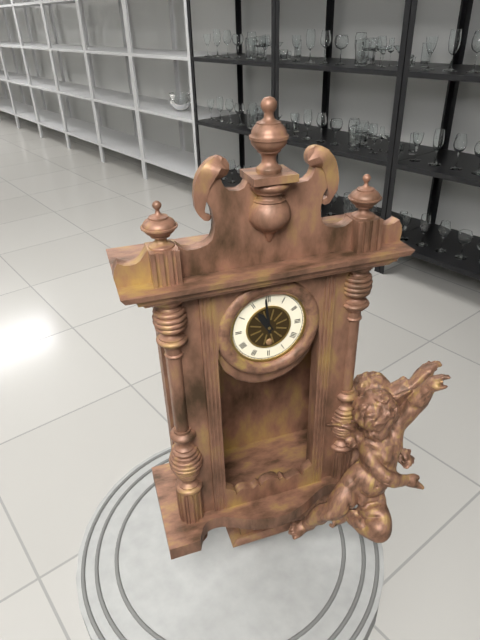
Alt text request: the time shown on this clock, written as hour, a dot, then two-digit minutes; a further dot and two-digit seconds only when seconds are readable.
10.59
